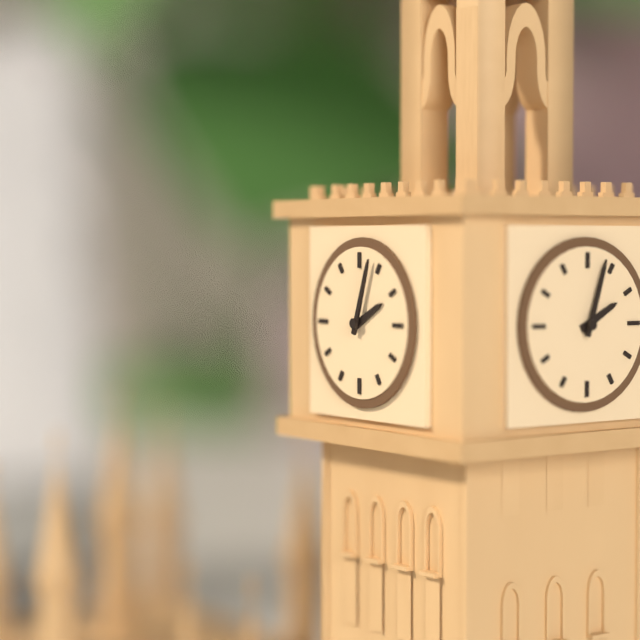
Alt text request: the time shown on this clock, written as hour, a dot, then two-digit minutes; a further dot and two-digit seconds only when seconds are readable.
2.03
